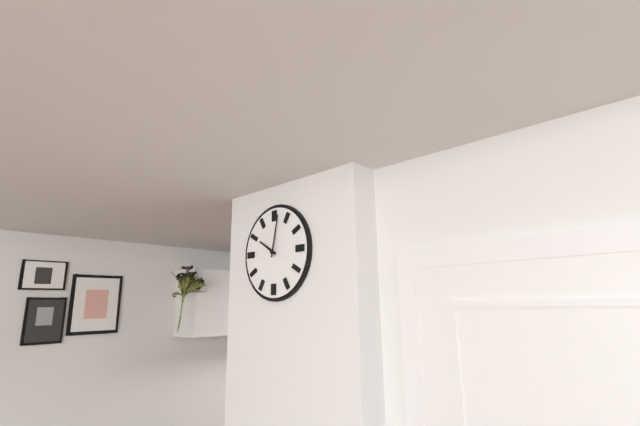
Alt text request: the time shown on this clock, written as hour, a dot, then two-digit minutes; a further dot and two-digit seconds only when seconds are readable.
10.02
